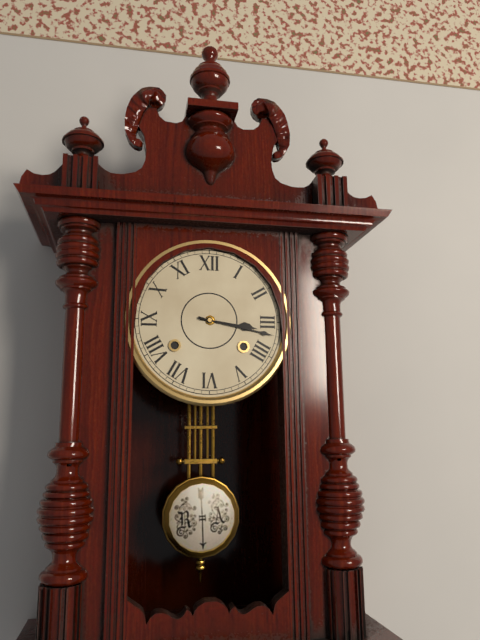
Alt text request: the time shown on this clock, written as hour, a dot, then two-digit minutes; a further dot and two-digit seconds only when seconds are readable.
3.17
